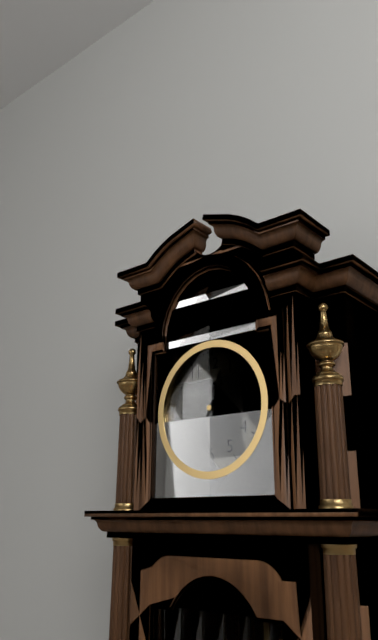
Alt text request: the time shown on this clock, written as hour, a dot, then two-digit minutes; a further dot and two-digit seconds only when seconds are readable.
12.34
